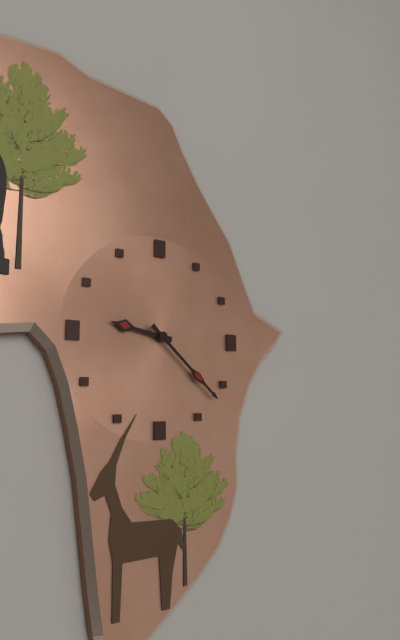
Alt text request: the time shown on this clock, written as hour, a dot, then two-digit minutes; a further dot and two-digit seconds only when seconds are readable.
9.22
